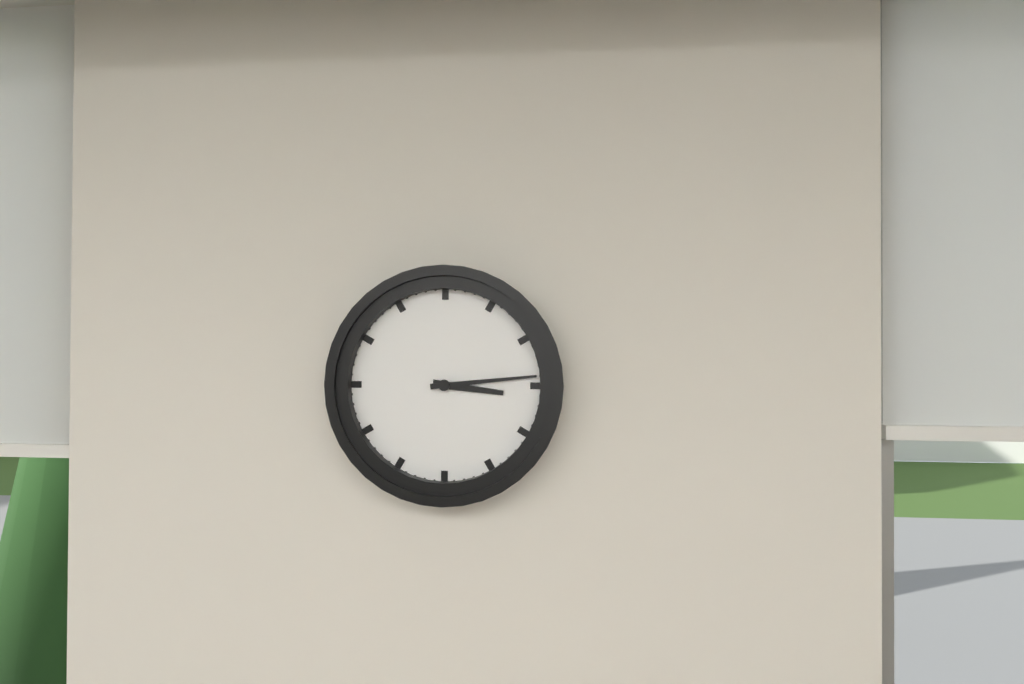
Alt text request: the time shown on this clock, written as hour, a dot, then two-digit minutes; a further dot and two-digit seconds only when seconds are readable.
3.14
